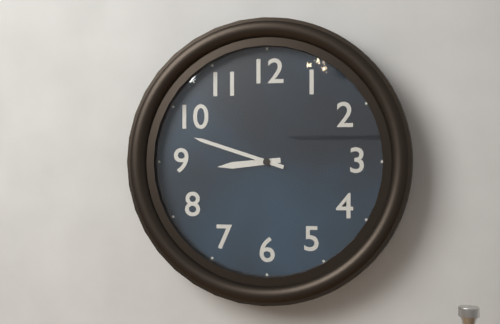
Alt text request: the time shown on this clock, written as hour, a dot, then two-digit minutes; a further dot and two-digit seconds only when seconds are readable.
8.48
